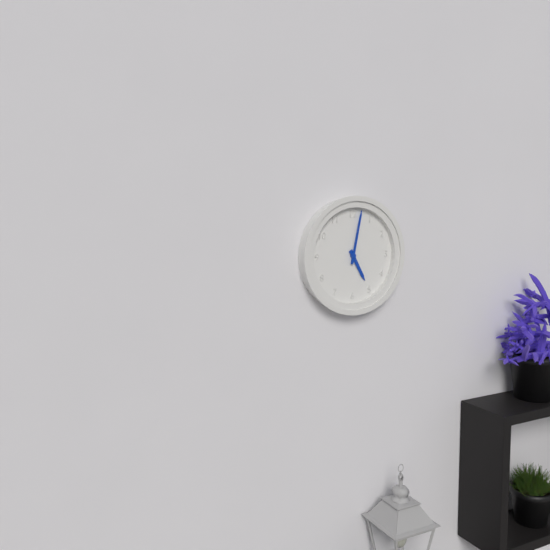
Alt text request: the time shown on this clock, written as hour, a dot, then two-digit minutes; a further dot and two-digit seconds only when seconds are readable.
5.02
